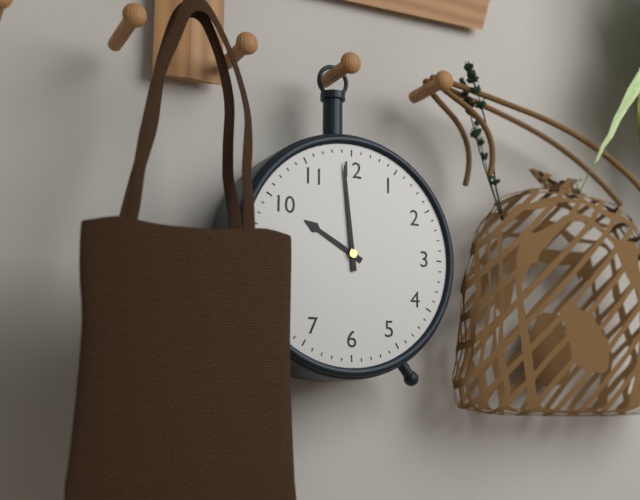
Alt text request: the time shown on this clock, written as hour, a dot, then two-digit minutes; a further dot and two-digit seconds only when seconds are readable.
9.59
